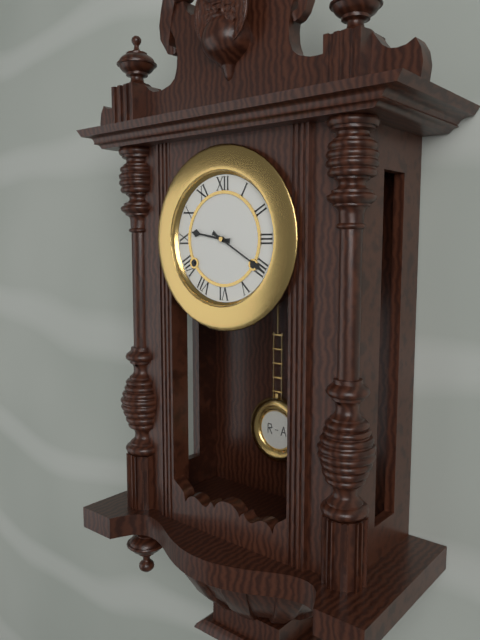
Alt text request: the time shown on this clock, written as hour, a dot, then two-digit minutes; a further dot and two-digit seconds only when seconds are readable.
9.20
